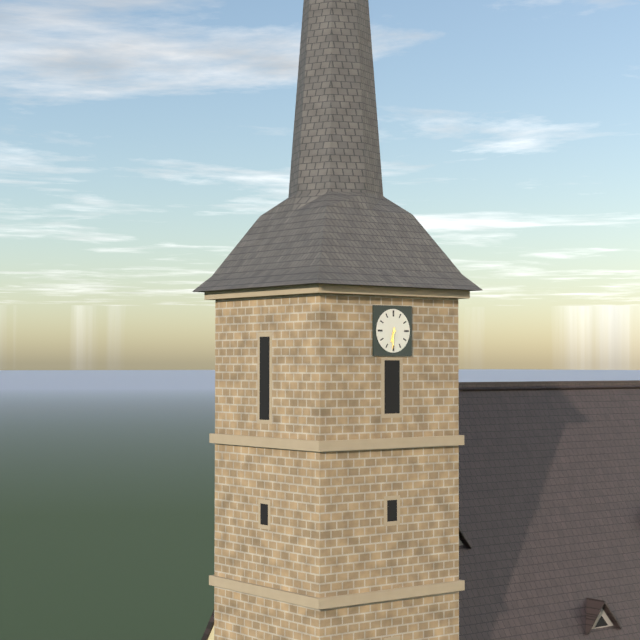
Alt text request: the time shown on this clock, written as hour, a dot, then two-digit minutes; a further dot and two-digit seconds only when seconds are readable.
6.31
